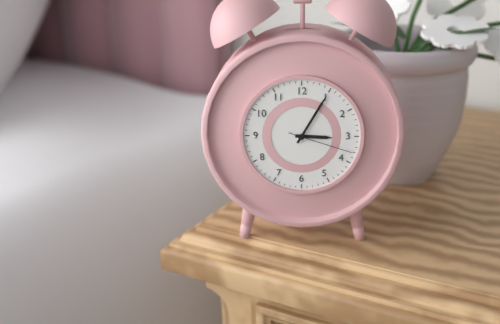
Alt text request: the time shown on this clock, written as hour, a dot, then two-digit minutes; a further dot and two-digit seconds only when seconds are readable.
3.05.18
